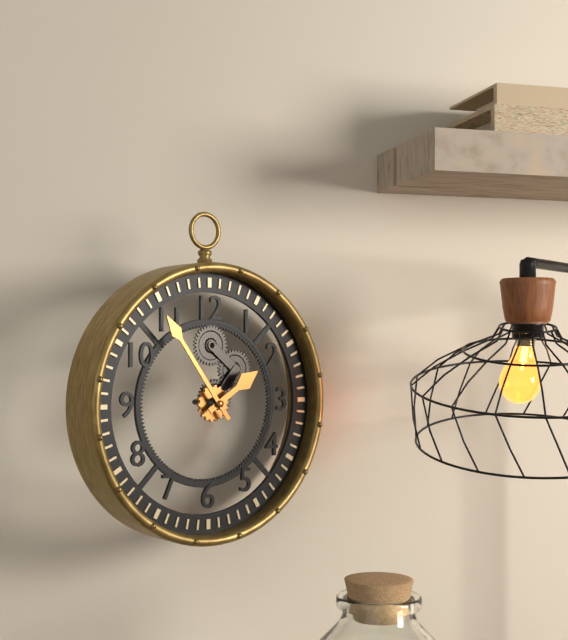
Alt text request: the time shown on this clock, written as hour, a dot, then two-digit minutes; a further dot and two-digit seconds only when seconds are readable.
1.54
